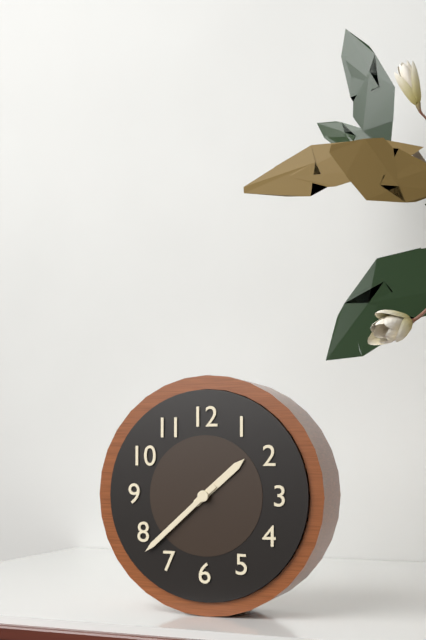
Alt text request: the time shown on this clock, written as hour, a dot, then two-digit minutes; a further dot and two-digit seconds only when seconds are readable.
1.38
